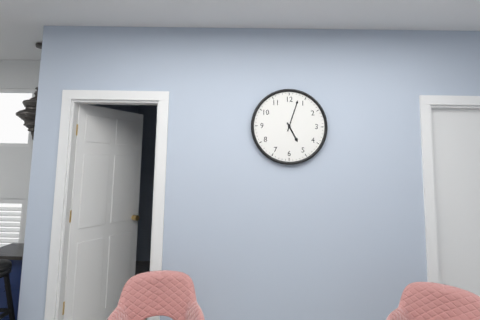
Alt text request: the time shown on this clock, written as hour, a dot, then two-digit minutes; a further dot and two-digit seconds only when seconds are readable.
5.03
